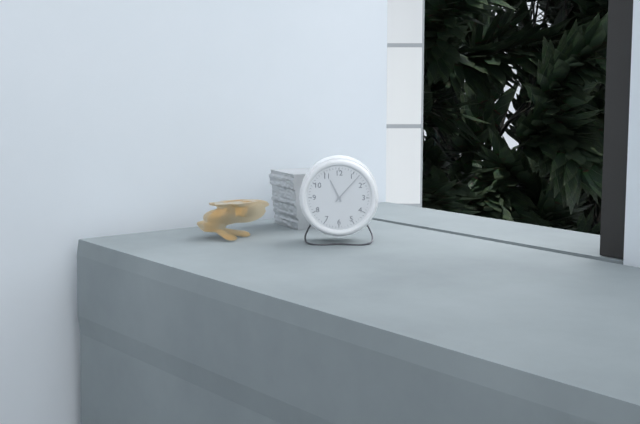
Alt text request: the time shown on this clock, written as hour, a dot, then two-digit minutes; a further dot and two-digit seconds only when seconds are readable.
11.07
